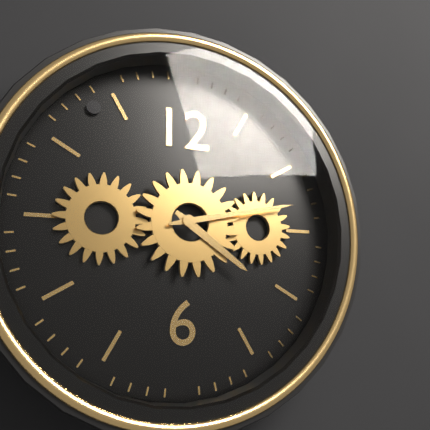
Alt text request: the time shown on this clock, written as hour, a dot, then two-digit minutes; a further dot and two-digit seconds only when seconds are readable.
4.13
